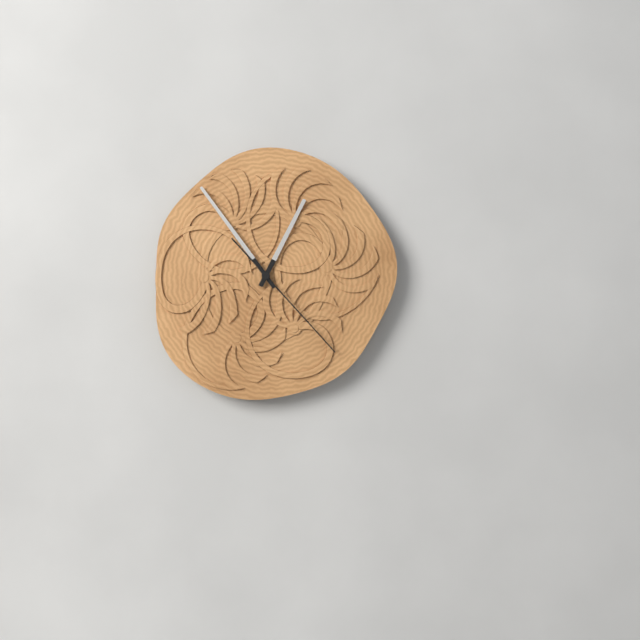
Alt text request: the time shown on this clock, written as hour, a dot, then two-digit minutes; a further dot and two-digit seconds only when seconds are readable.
12.54.23
